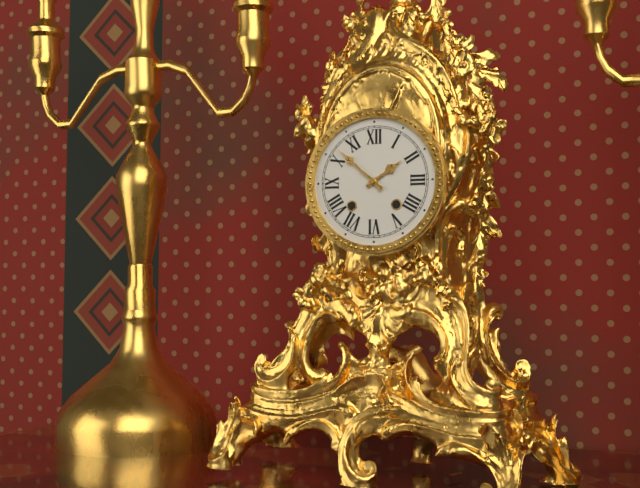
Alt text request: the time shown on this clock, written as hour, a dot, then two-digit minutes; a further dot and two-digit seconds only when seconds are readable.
1.52
